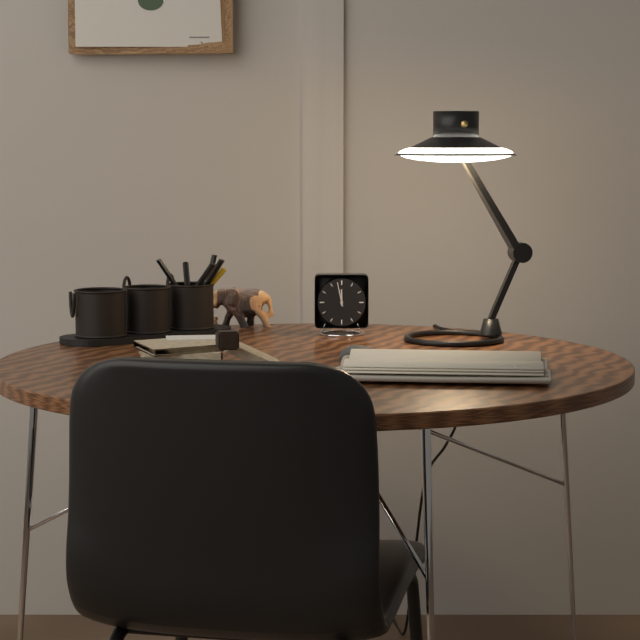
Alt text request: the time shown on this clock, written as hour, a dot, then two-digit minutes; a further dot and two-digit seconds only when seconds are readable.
11.58
